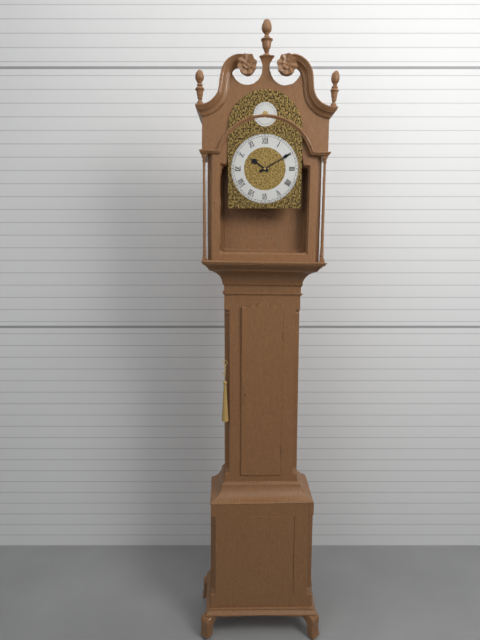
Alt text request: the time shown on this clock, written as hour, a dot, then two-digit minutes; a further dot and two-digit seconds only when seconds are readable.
10.10
